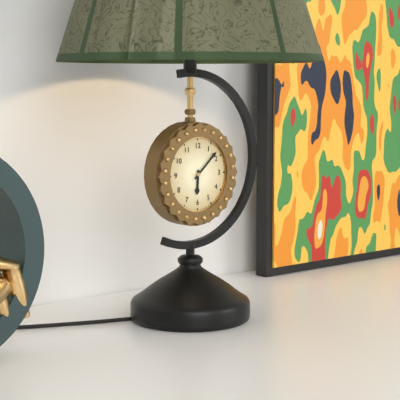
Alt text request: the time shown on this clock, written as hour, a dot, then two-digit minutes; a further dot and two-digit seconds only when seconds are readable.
6.08
